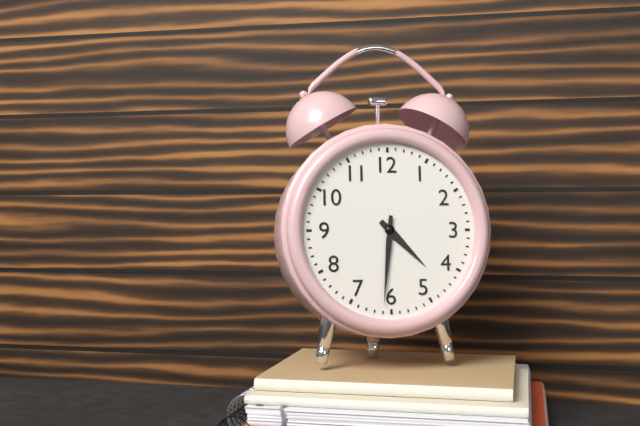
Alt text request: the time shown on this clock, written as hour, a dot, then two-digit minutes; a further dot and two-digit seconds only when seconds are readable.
4.31
